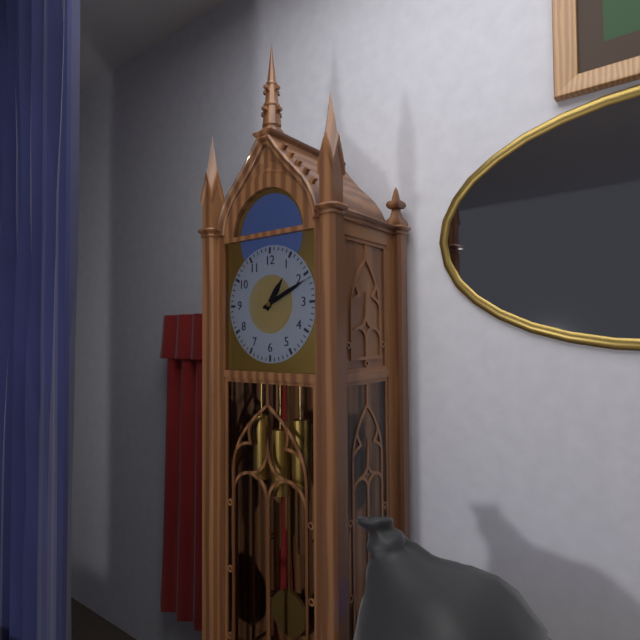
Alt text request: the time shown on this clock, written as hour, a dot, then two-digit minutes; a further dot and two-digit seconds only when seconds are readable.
1.11
